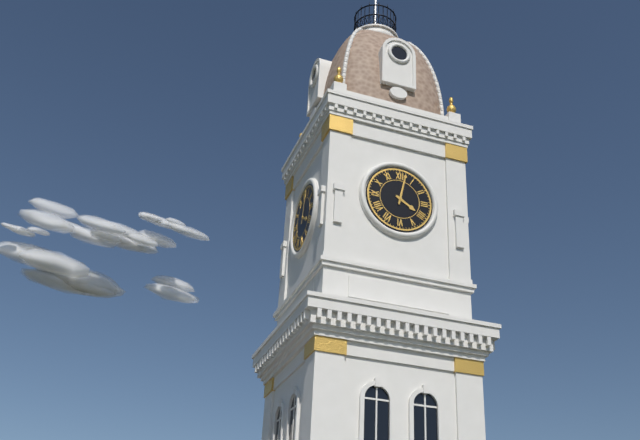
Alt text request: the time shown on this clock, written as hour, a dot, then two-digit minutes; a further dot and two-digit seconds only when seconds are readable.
4.02
